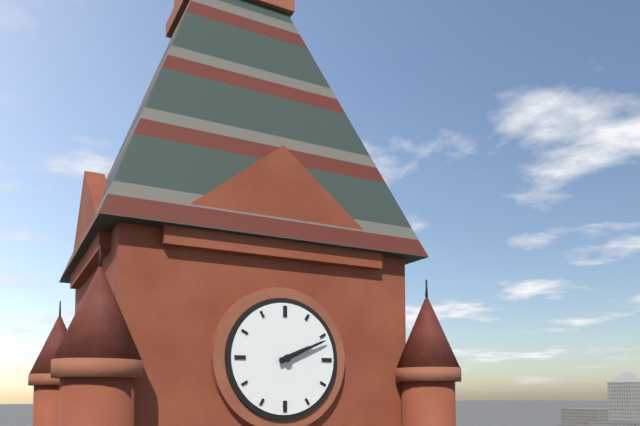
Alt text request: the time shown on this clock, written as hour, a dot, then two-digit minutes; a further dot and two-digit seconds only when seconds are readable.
2.11
